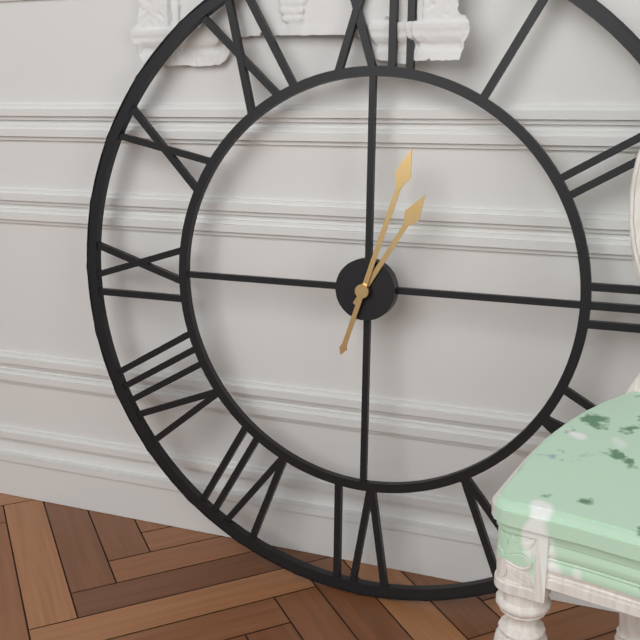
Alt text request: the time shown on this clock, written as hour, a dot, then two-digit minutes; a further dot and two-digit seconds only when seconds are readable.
1.03
